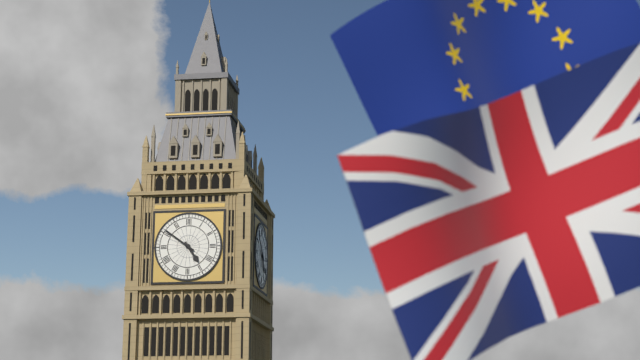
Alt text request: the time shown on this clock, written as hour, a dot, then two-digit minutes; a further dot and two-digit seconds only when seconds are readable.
4.51
